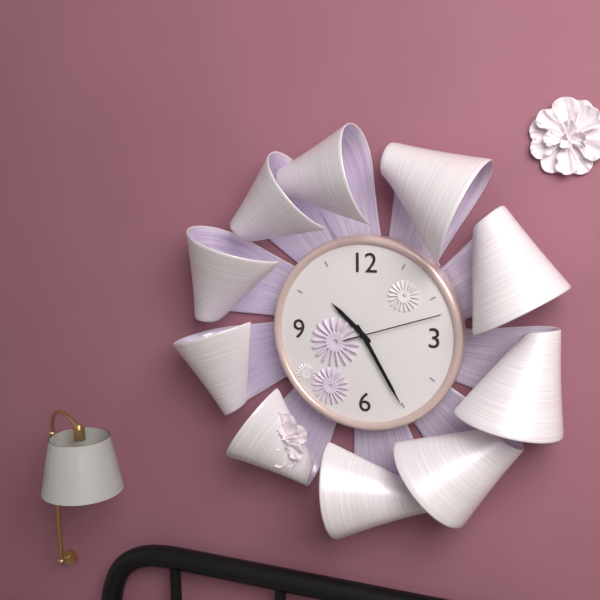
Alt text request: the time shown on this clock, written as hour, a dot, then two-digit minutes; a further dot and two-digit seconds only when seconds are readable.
10.25.12
